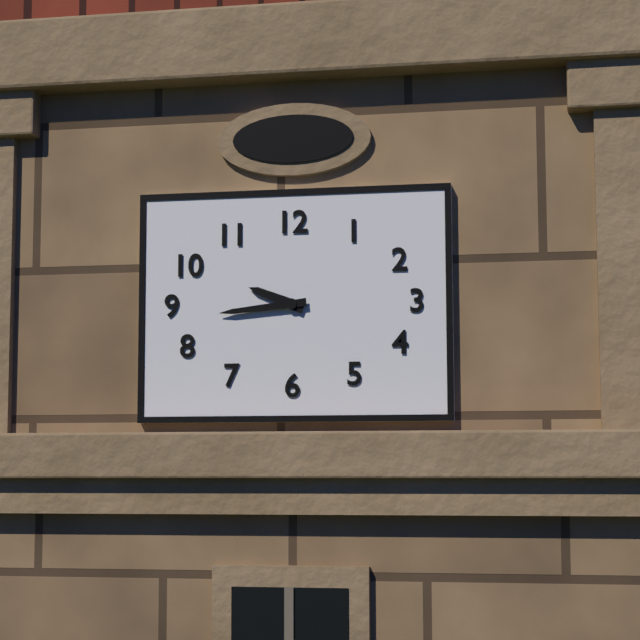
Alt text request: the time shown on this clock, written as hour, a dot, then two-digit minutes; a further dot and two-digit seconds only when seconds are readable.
9.44
